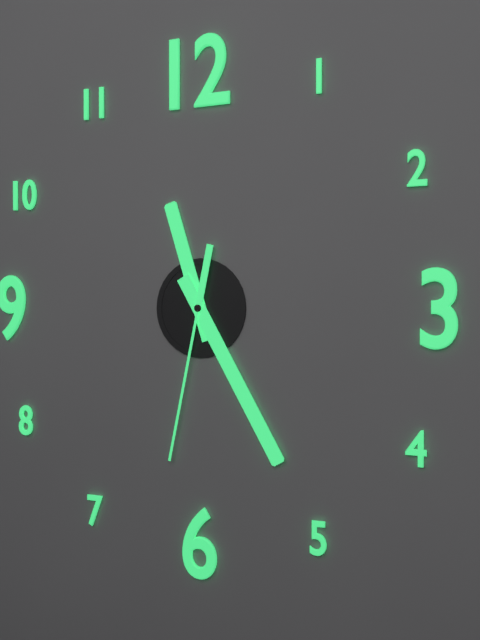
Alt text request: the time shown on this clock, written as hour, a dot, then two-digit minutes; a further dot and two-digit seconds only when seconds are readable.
11.25.32
